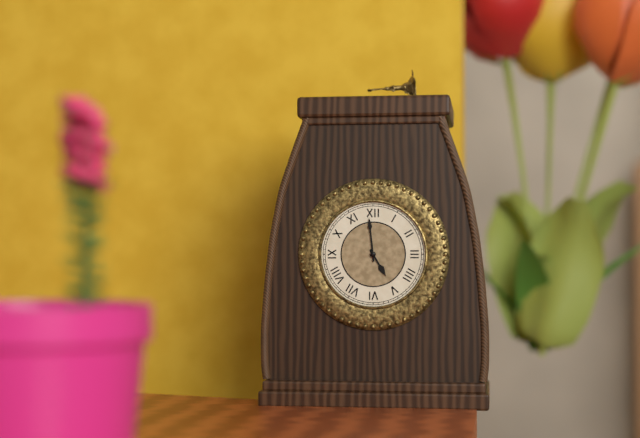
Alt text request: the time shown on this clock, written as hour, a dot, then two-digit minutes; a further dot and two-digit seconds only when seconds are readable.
4.59
